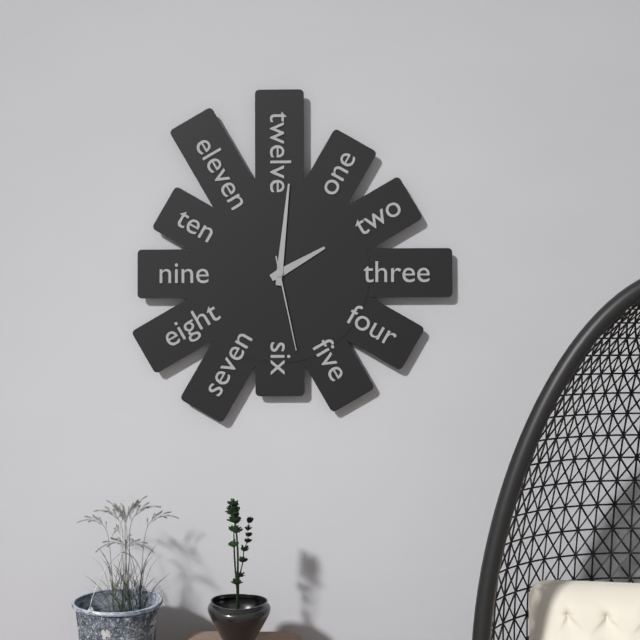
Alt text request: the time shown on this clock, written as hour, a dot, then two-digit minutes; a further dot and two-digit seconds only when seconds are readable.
2.01.28
